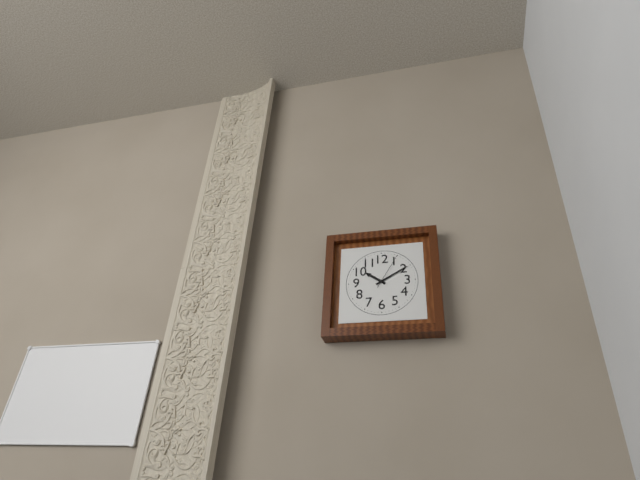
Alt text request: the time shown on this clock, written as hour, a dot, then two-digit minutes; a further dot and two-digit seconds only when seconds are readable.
10.10
